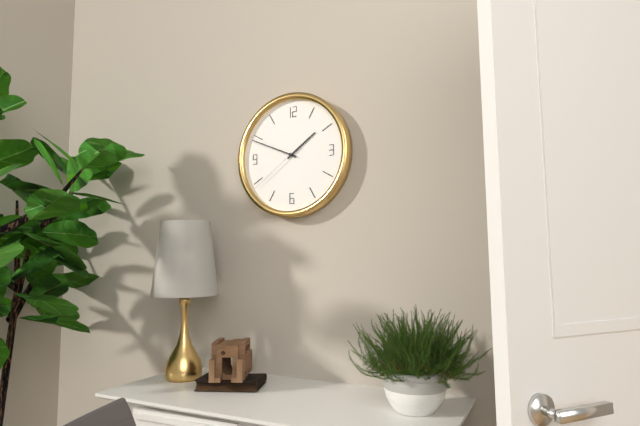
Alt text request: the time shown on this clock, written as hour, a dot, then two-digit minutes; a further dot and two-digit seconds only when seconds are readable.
1.49.39
